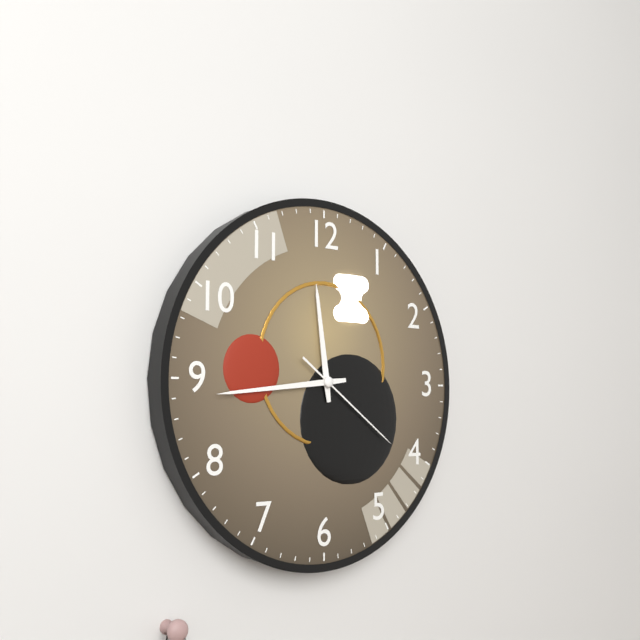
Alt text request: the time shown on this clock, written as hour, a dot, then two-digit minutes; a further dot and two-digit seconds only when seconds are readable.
11.44.21
